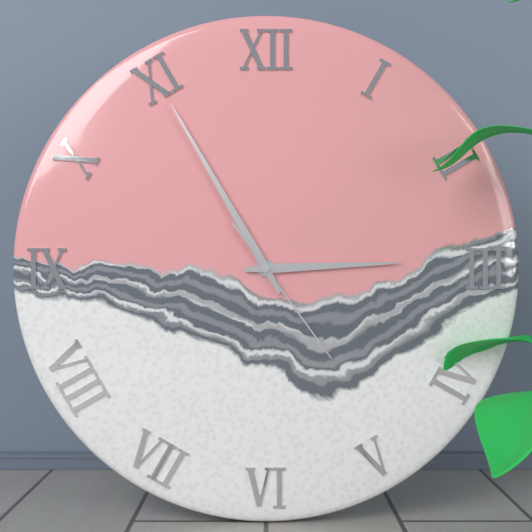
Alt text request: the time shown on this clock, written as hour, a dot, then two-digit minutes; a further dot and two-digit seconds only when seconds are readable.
2.55.24
